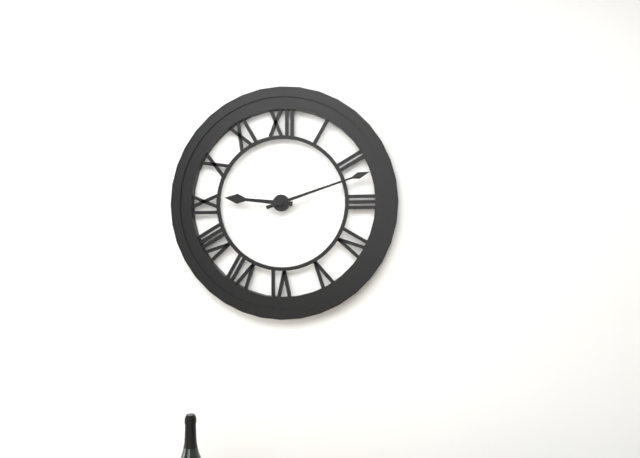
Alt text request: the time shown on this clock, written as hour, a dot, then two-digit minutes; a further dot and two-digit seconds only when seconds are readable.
9.12
